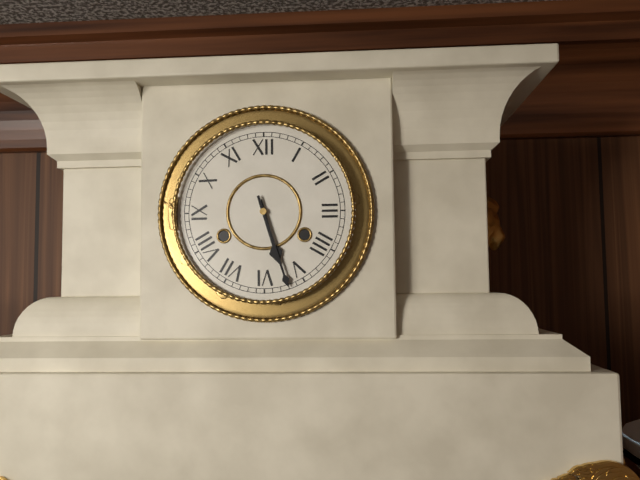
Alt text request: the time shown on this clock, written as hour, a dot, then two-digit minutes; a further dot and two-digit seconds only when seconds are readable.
5.27
